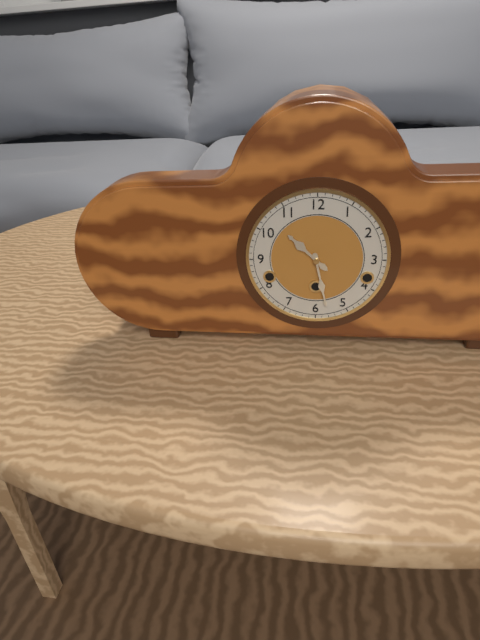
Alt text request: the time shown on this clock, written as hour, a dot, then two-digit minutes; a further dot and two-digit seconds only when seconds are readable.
10.28
